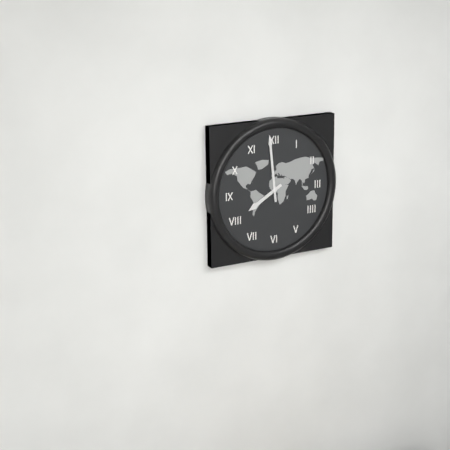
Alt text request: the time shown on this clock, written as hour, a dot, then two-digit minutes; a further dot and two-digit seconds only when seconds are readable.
7.59
